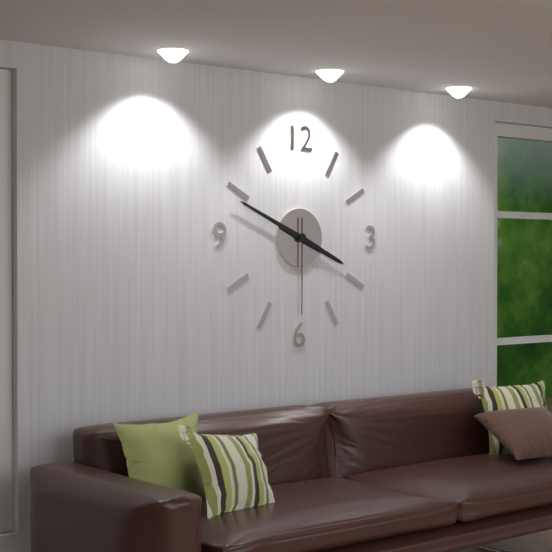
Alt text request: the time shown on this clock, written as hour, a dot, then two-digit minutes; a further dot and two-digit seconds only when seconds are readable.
3.49.30
